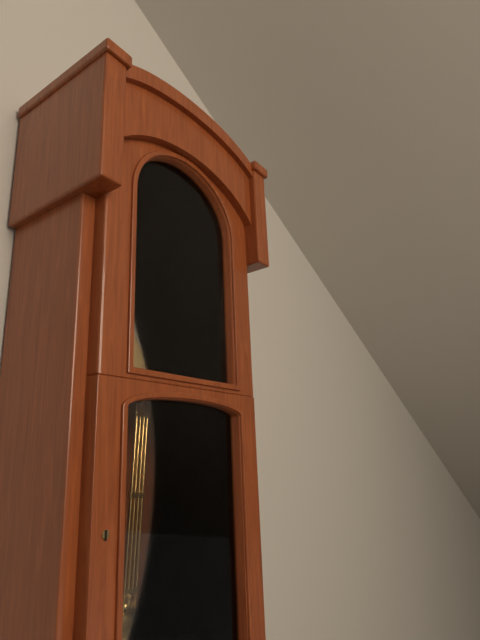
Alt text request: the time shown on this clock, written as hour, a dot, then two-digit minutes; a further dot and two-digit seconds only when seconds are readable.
4.37
